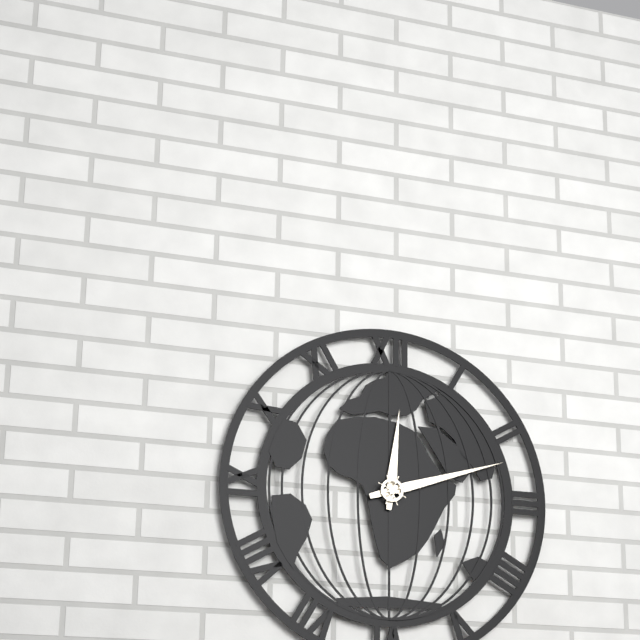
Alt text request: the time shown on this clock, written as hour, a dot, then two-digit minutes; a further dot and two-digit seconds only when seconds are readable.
12.12
